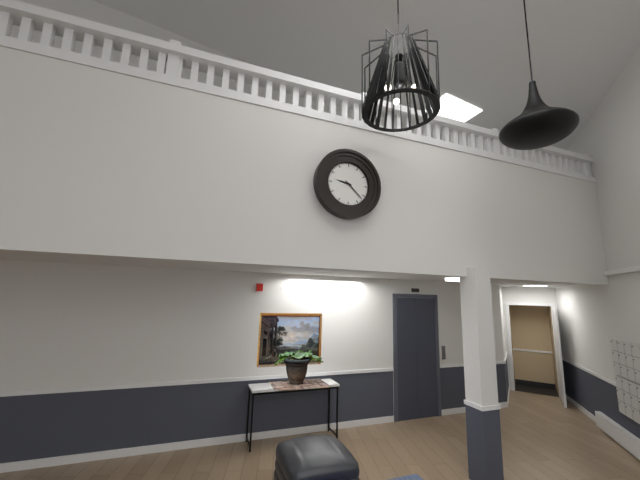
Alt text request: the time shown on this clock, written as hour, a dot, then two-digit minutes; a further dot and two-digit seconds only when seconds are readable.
9.22
